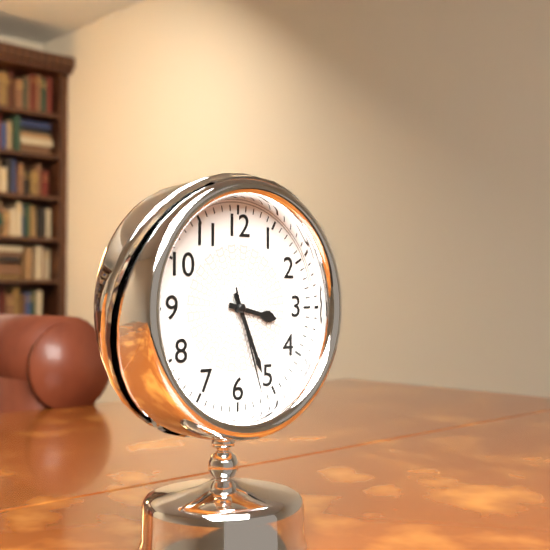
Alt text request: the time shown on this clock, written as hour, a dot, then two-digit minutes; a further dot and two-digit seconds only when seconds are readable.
3.26.27
